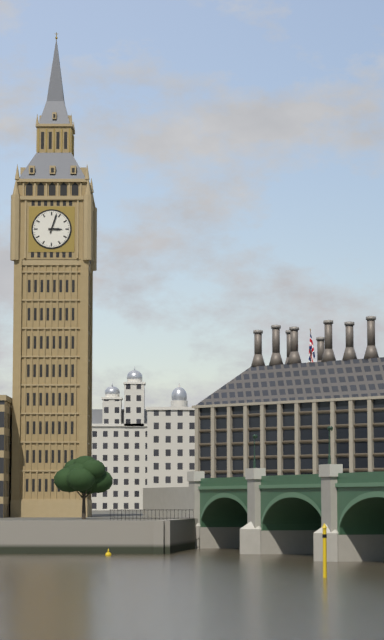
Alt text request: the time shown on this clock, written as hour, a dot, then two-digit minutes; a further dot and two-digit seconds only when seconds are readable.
3.03
